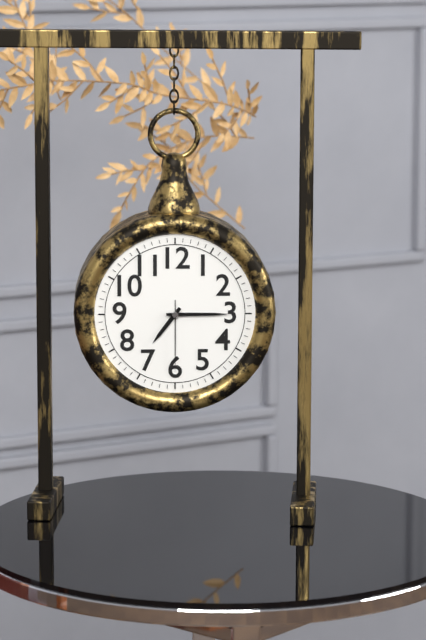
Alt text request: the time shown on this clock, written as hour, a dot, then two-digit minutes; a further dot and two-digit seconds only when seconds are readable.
7.15.30
